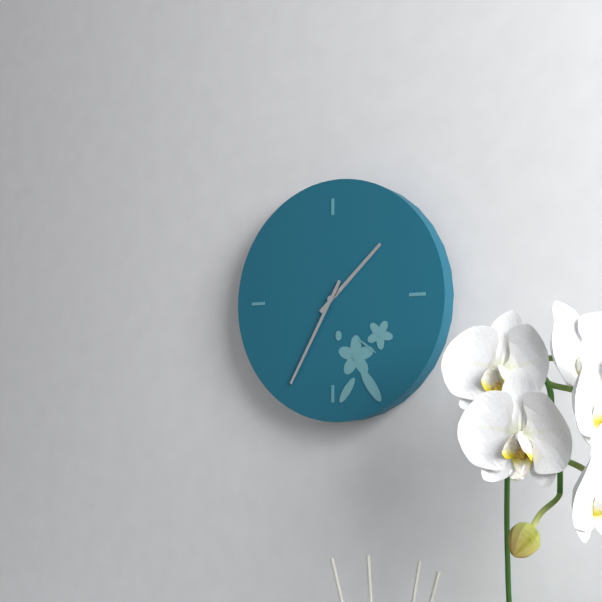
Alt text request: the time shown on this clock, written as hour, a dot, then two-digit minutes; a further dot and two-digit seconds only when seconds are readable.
1.35
